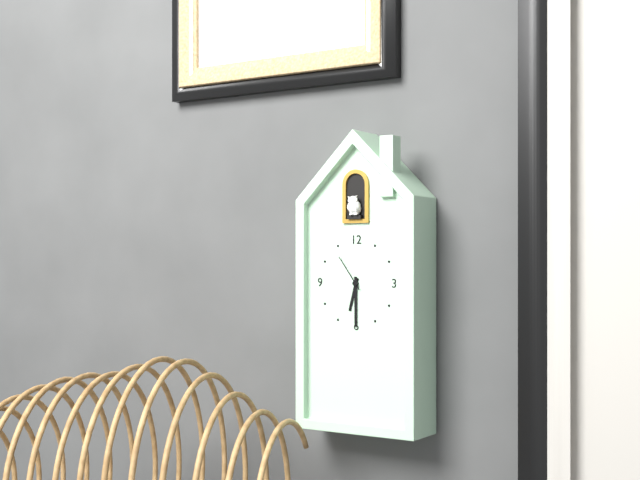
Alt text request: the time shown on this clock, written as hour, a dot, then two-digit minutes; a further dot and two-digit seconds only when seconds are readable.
6.30
